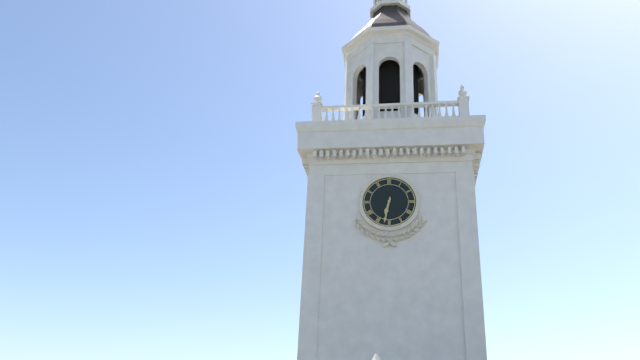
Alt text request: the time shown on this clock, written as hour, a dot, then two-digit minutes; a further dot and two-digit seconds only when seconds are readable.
6.32
